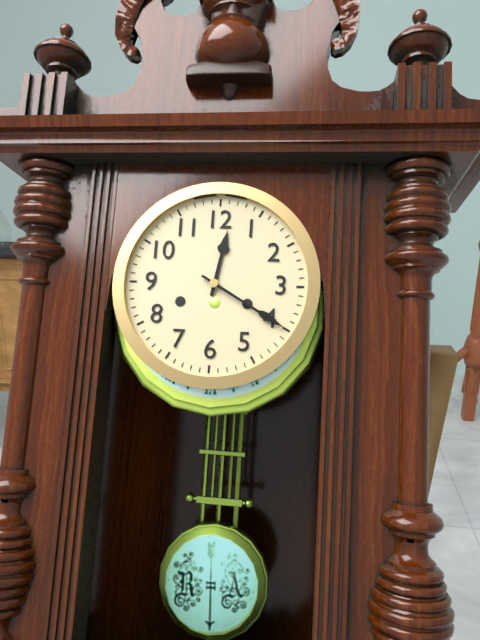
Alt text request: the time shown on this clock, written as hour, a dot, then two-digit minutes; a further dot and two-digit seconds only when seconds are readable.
12.20
